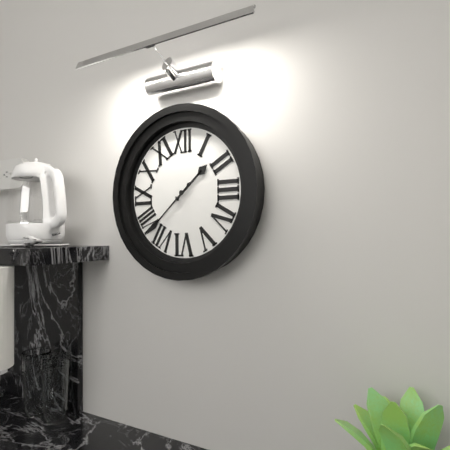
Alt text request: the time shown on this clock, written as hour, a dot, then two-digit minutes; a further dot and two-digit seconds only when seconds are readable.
1.38
